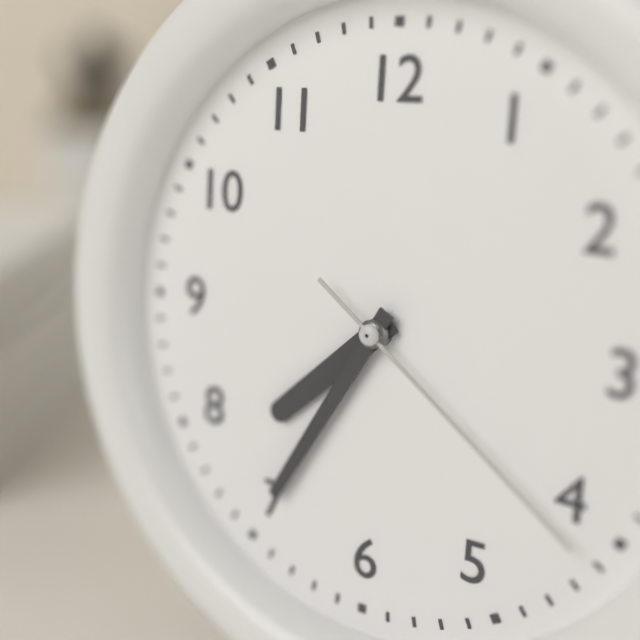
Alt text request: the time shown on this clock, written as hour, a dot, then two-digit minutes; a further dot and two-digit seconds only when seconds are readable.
7.35.21
